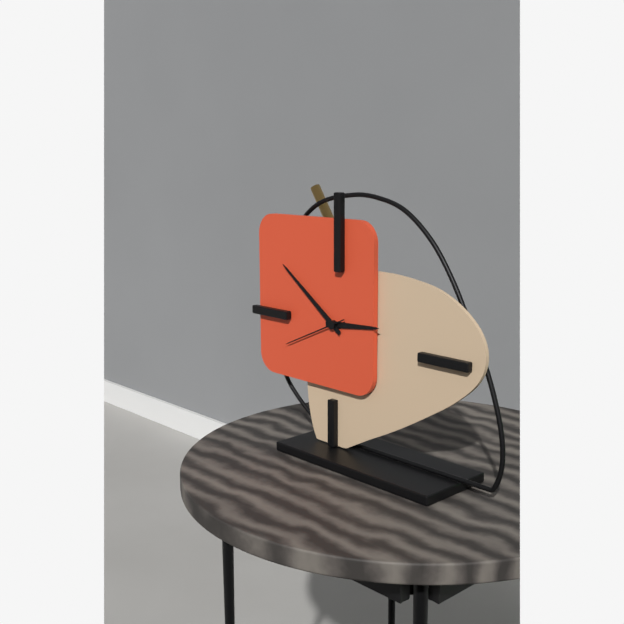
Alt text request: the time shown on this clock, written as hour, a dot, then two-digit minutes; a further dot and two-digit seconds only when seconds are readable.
2.51.41
